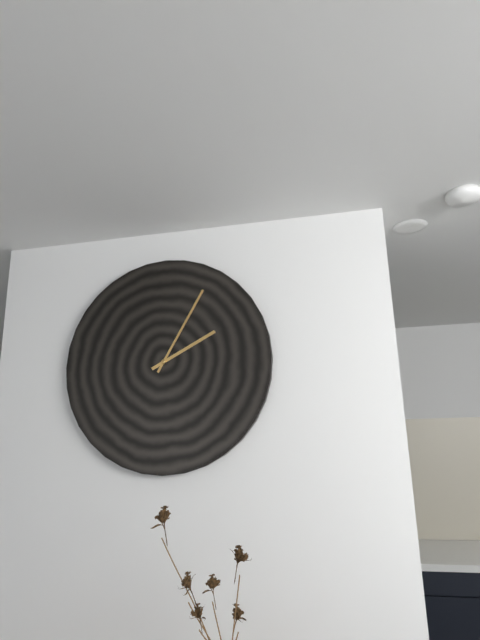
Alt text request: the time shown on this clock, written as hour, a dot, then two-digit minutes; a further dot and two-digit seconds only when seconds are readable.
2.05
